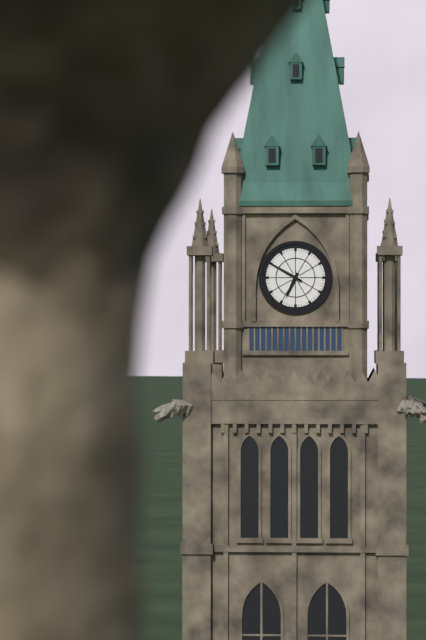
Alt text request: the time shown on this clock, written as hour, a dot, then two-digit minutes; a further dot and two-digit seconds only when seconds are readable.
6.50
